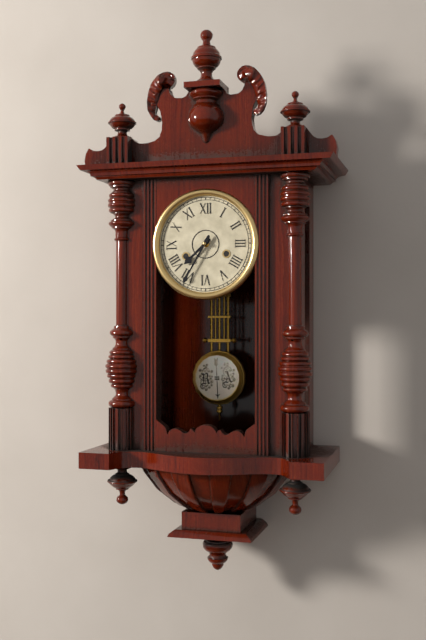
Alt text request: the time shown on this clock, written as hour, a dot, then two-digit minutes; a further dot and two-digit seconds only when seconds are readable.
7.35
